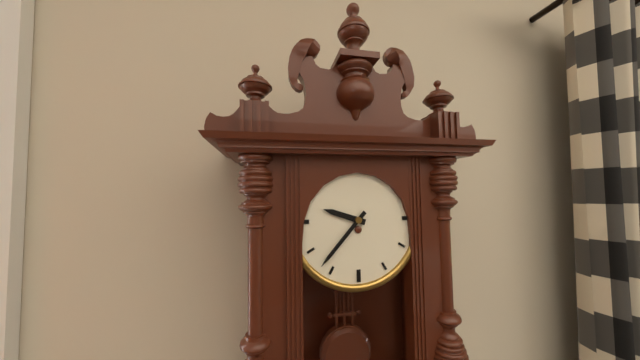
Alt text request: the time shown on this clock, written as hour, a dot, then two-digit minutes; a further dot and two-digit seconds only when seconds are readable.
9.37
